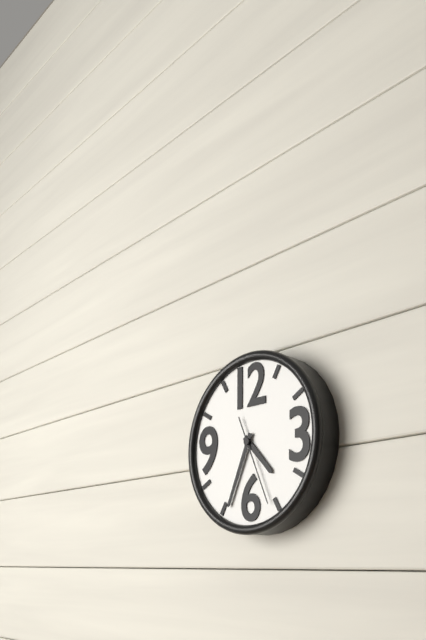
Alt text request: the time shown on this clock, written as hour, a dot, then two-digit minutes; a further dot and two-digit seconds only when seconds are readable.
4.34.26
